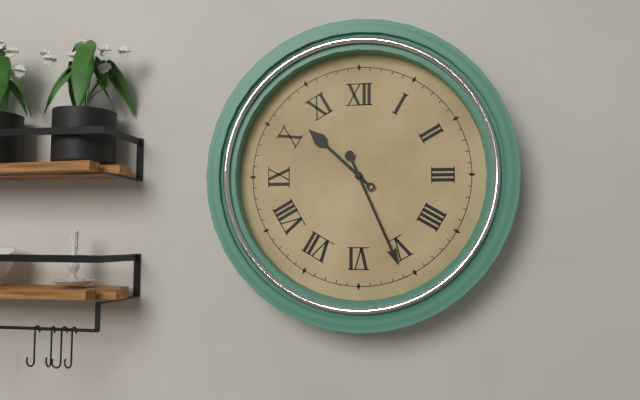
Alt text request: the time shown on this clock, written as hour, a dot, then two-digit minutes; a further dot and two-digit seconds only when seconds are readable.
10.26
